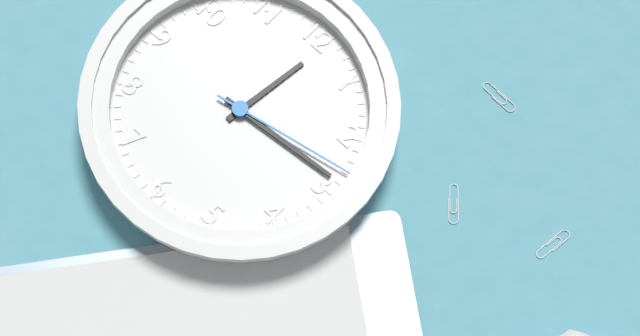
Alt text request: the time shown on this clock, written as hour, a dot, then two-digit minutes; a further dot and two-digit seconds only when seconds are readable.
12.14.13
